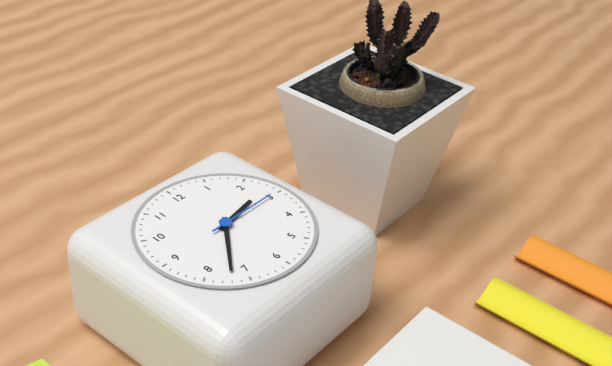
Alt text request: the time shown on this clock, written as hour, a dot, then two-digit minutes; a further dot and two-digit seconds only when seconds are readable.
2.37.15
